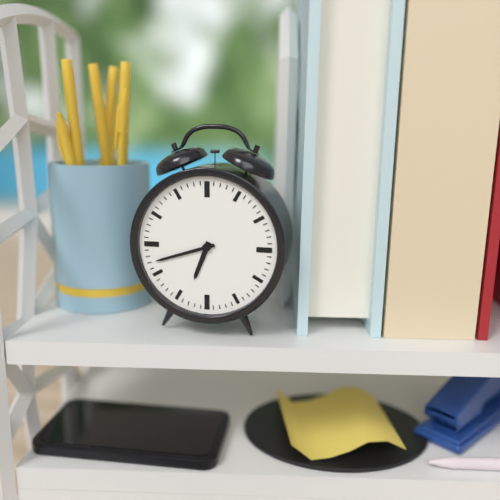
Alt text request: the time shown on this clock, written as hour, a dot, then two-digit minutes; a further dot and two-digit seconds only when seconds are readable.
6.42
